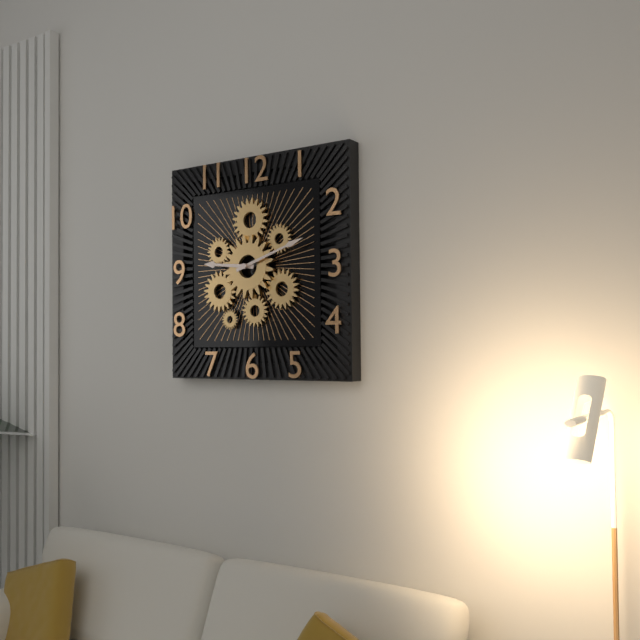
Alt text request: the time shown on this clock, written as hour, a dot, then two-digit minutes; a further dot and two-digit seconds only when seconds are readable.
9.12
